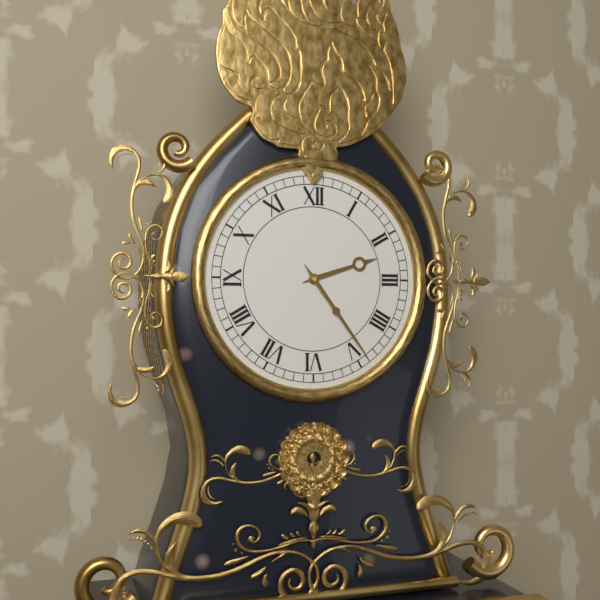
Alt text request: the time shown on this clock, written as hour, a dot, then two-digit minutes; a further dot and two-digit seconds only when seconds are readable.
2.24
